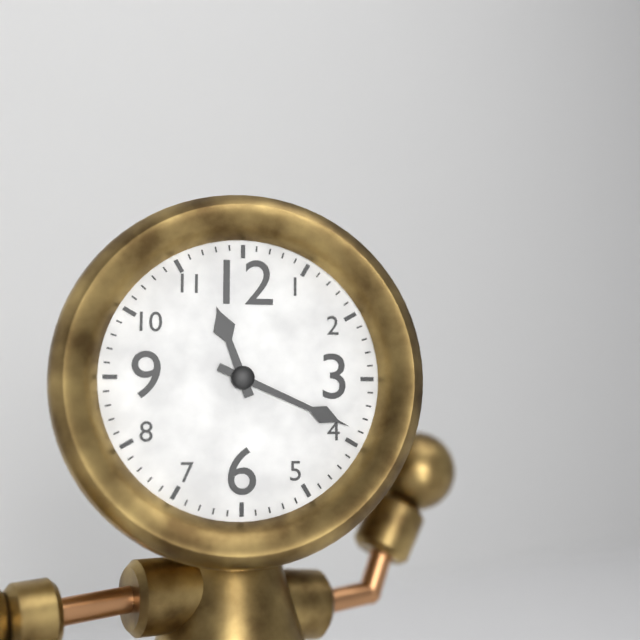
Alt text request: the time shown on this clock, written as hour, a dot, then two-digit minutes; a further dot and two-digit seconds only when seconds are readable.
11.19
